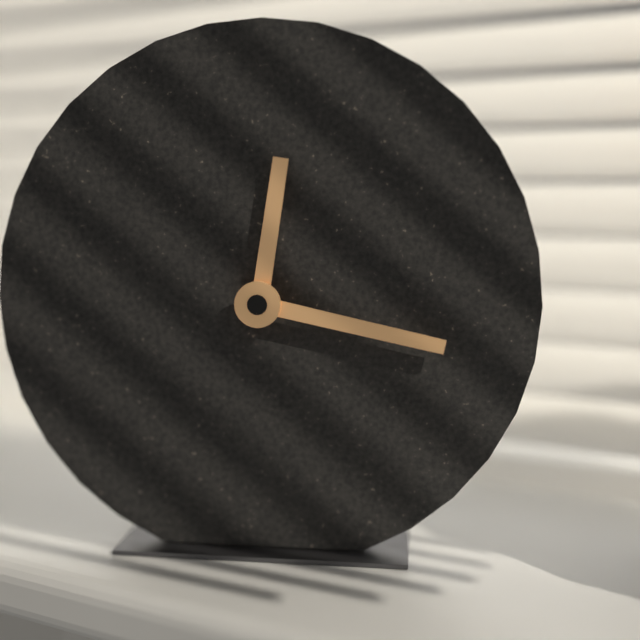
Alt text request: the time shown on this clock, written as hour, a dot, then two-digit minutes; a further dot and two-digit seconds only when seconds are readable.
12.17
